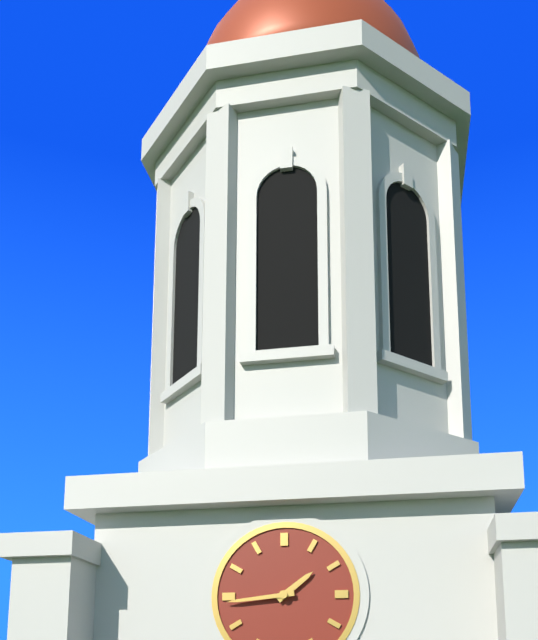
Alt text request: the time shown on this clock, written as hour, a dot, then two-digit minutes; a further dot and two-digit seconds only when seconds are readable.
1.44
